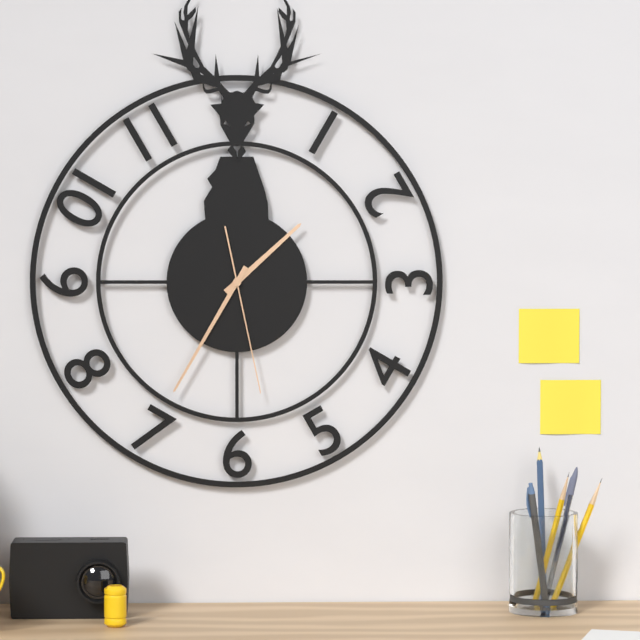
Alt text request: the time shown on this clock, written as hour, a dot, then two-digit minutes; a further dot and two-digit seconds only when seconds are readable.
1.35.28
